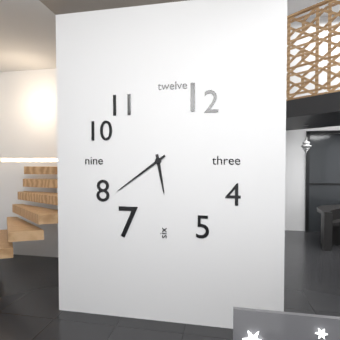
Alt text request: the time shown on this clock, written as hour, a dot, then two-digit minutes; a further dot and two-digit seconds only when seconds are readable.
5.39
